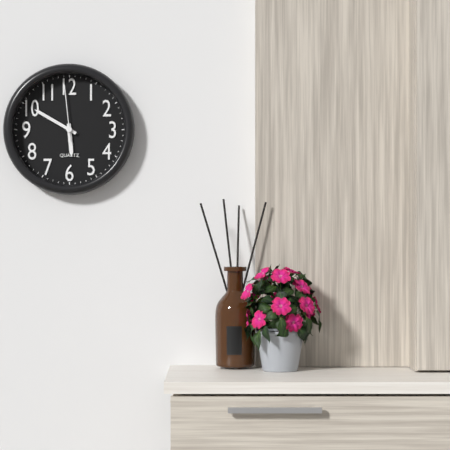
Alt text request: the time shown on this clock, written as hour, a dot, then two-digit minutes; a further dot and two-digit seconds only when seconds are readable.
5.50.59
